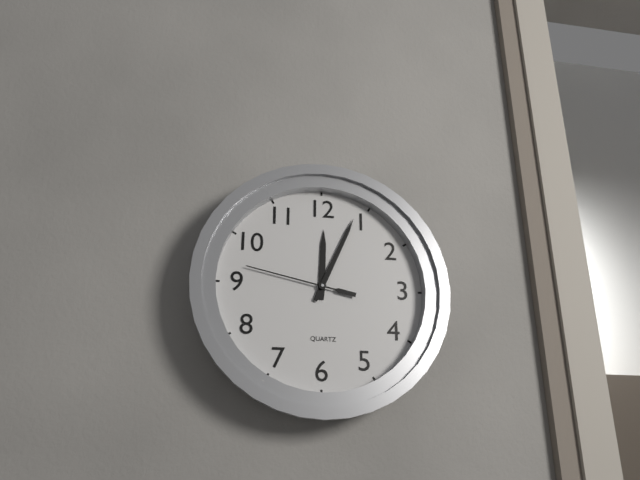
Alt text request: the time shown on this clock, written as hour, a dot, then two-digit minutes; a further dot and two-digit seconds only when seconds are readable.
12.04.47
